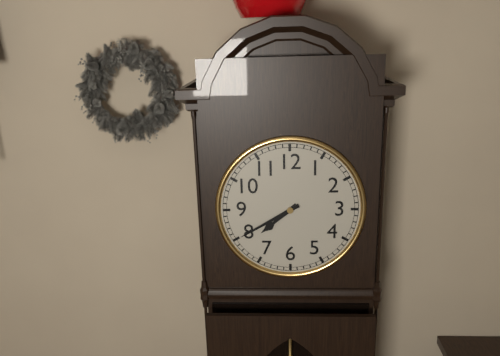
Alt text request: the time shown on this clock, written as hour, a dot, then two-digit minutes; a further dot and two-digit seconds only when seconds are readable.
7.40
